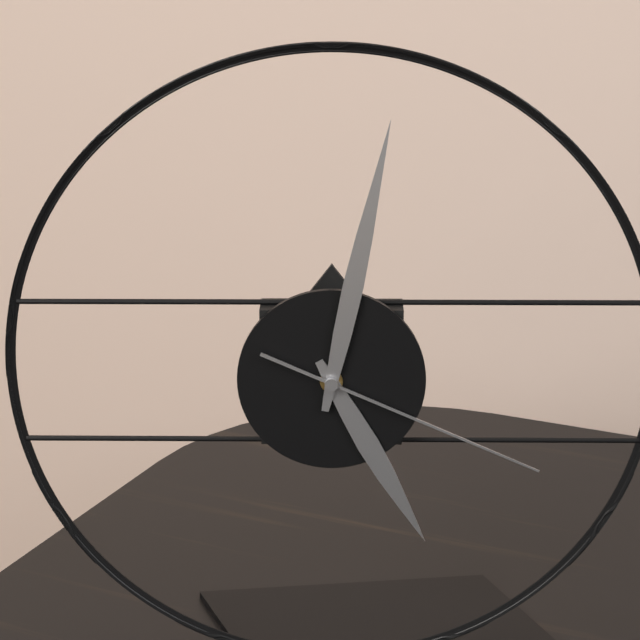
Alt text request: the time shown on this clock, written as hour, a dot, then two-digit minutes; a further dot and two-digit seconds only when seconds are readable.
5.02.19
